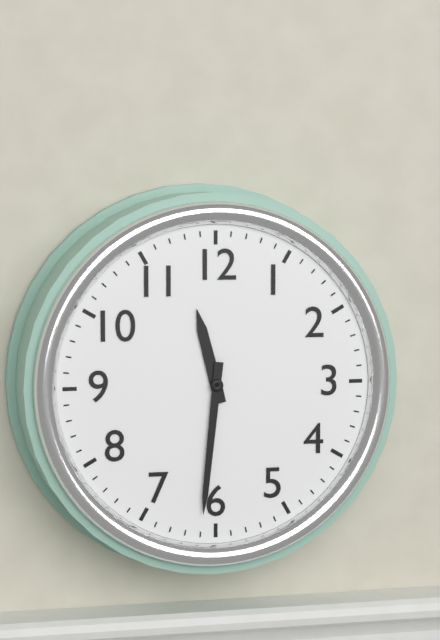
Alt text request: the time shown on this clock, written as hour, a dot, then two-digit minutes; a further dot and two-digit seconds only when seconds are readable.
11.31
